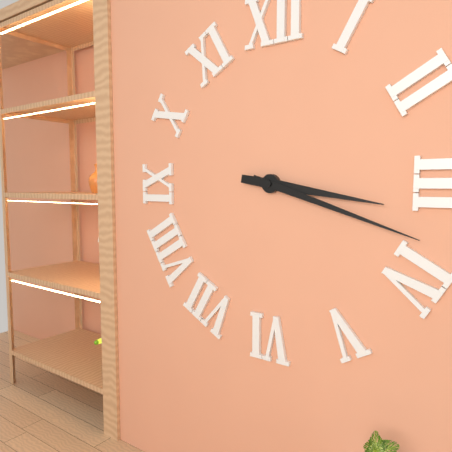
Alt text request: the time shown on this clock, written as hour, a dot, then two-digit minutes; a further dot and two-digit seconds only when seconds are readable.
3.18
